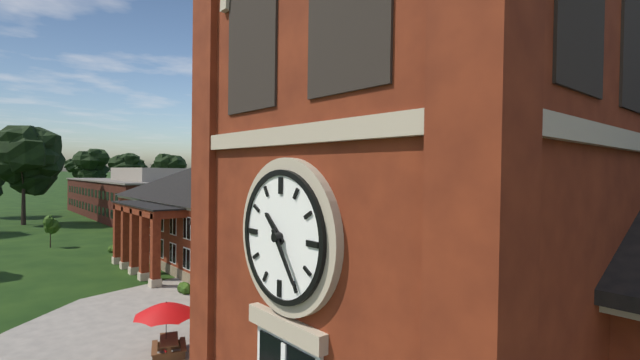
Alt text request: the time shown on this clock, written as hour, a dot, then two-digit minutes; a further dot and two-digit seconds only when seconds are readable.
10.24
